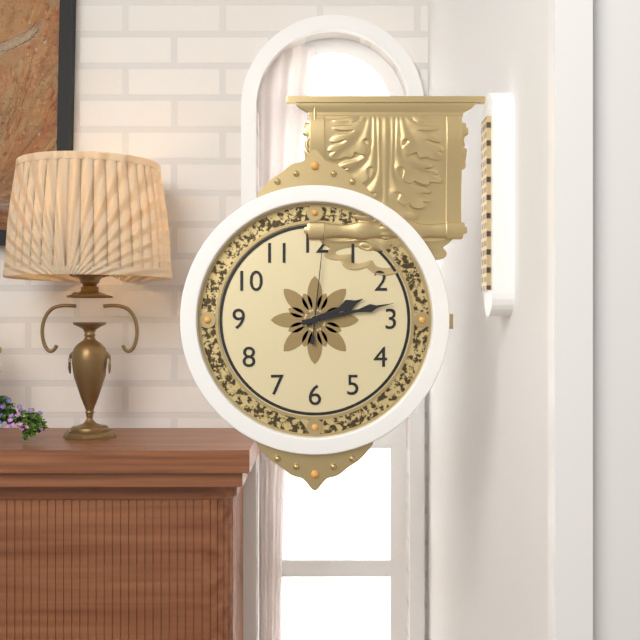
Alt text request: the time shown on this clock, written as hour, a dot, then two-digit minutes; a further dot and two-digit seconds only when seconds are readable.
2.13.01
